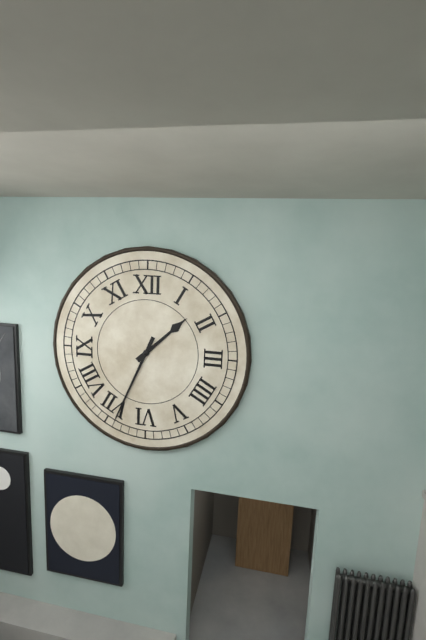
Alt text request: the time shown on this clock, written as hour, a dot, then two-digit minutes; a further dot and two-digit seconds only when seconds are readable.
1.34
